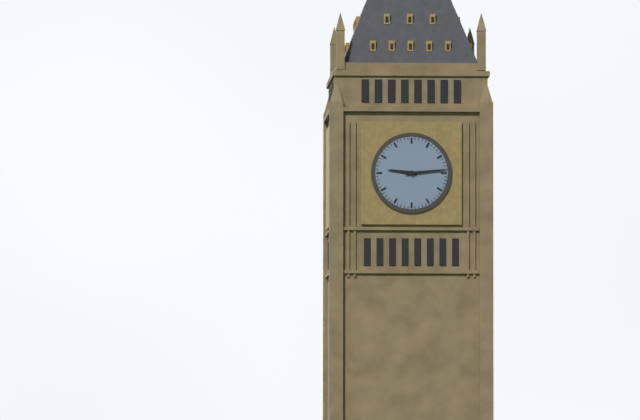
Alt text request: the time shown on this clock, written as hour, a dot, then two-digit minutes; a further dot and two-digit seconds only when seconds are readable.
9.14
